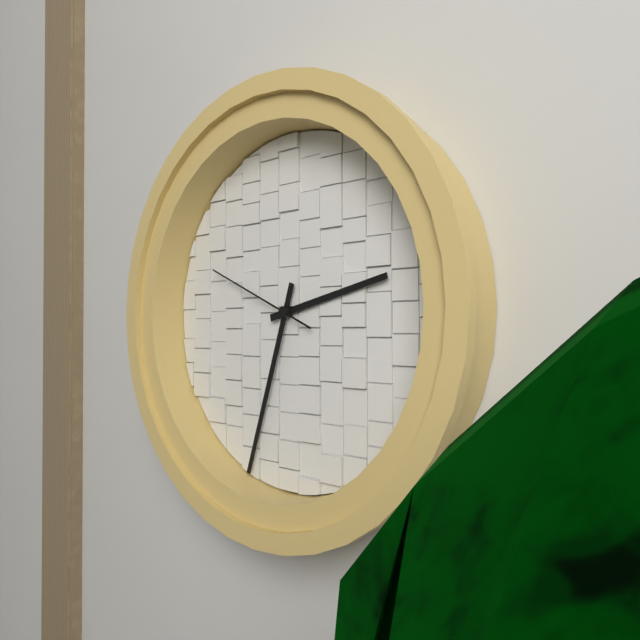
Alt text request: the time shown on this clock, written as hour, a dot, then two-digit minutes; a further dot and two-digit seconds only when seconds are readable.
2.33.49
